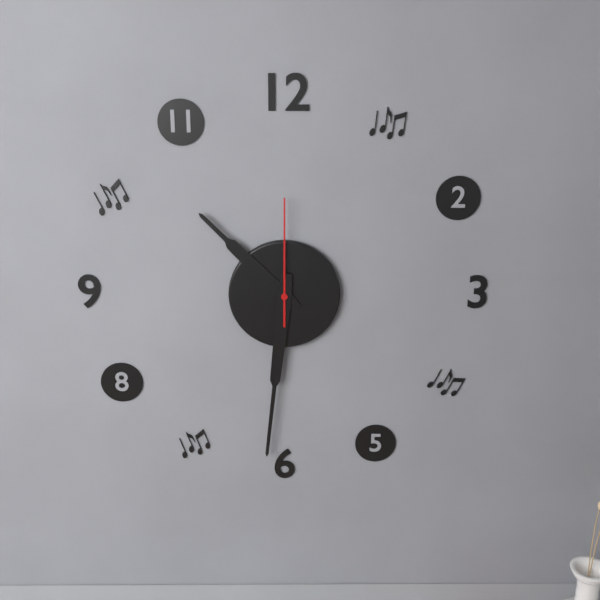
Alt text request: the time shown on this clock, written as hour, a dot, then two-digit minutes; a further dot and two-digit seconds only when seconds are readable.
10.31.00
